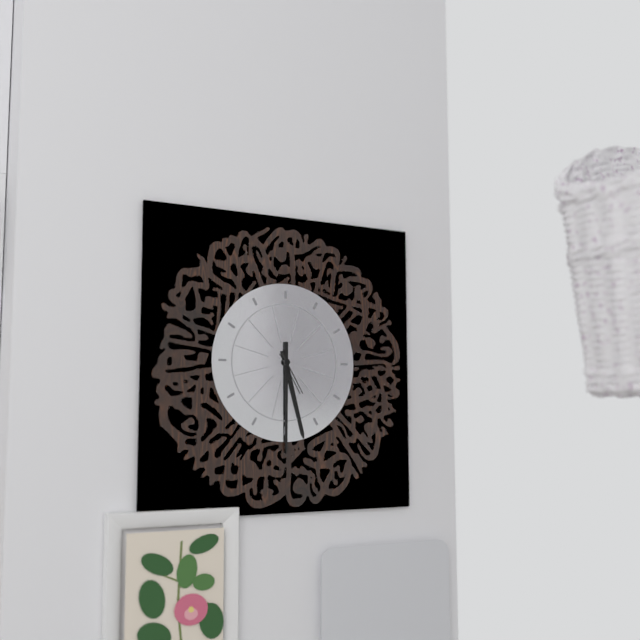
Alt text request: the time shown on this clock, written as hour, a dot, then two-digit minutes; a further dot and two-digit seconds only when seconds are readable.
5.30
